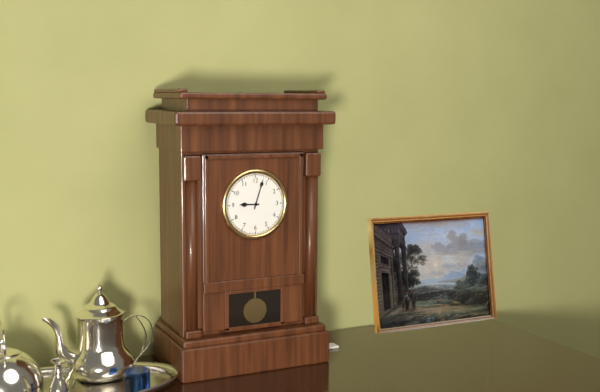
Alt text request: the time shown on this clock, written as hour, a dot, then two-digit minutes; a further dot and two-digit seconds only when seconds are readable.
9.03
